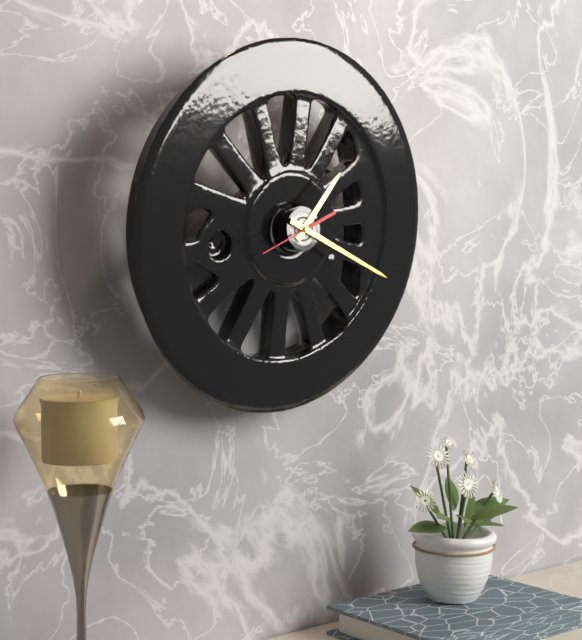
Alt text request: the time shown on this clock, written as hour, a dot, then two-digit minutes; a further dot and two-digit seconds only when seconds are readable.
1.19.41
